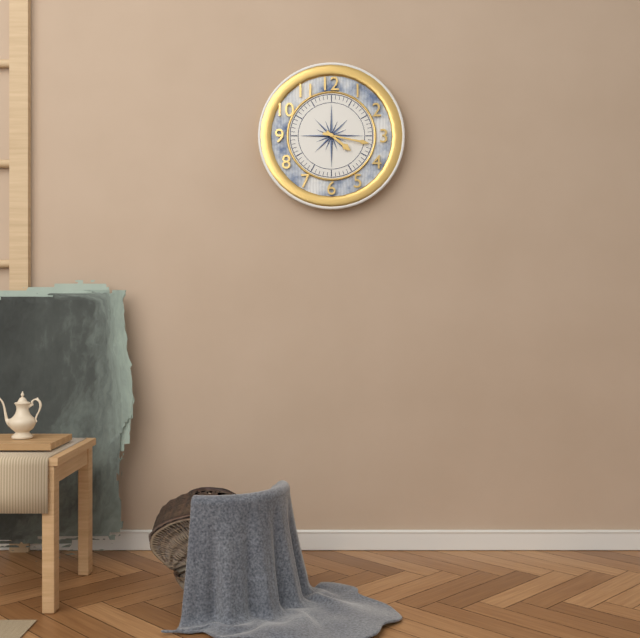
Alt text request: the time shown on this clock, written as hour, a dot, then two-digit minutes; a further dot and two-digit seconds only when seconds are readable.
4.17
